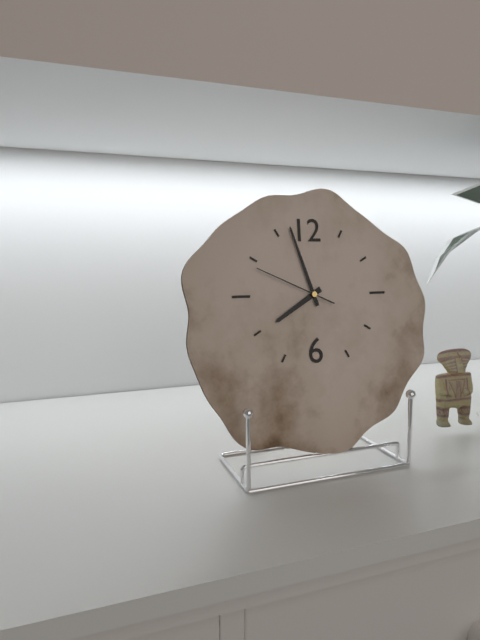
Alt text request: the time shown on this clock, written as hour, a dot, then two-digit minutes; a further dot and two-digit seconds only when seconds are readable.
7.57.49
